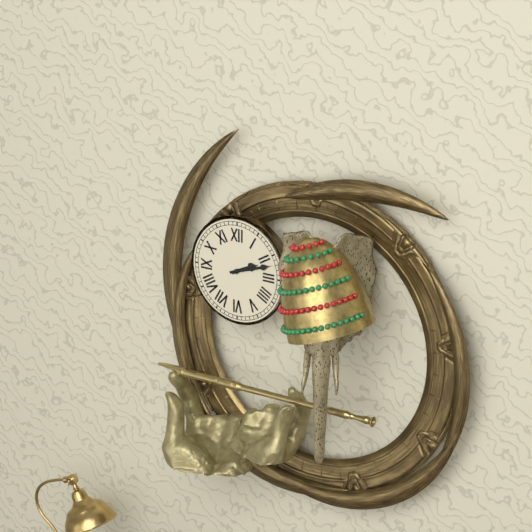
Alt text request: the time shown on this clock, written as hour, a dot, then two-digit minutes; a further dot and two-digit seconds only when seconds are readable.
2.12
